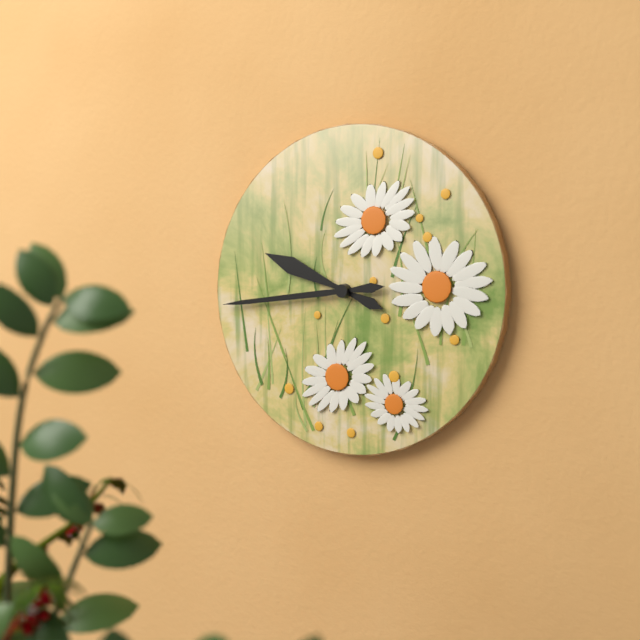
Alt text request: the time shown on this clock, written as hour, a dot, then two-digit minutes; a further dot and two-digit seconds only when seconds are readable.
9.44
